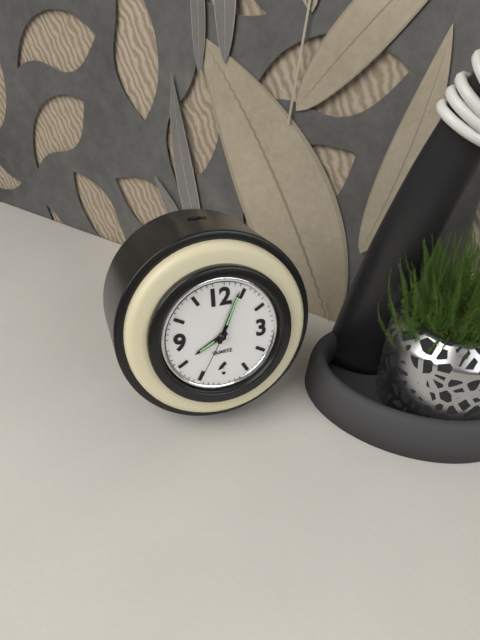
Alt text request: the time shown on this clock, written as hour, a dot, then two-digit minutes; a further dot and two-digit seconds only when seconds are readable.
8.04.35
